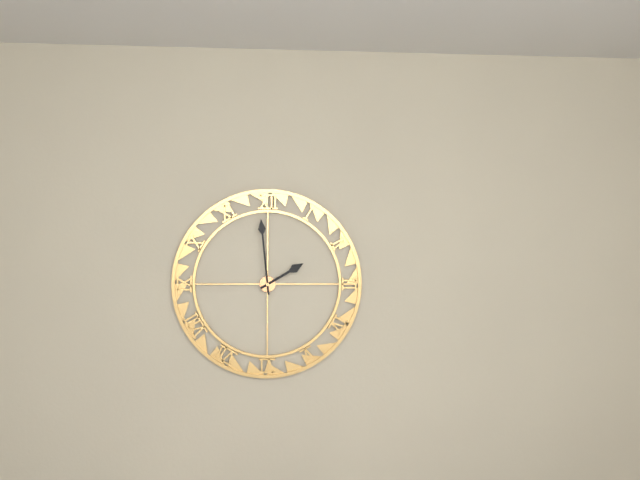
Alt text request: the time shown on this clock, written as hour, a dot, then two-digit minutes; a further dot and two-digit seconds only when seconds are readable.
1.59
